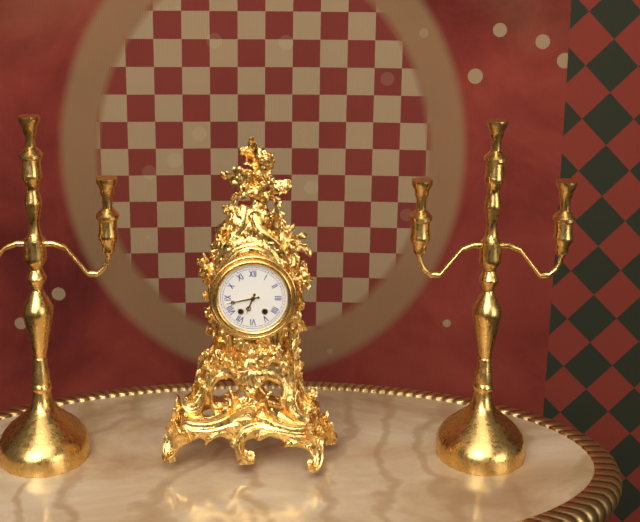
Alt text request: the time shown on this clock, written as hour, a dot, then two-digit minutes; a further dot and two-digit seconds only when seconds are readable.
6.43
